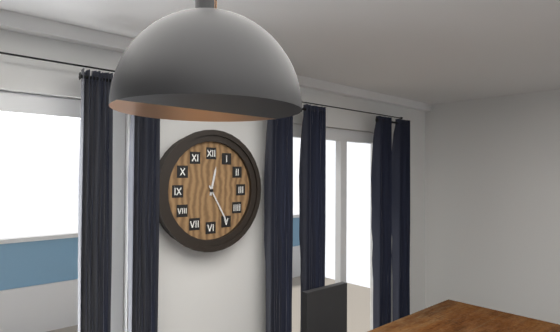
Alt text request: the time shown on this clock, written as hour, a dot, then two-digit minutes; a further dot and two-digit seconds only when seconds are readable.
12.25
